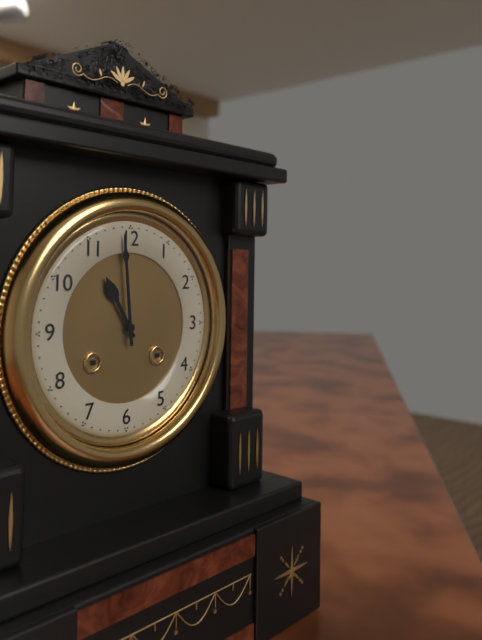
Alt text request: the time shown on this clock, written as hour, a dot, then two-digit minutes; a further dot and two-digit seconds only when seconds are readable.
10.59
